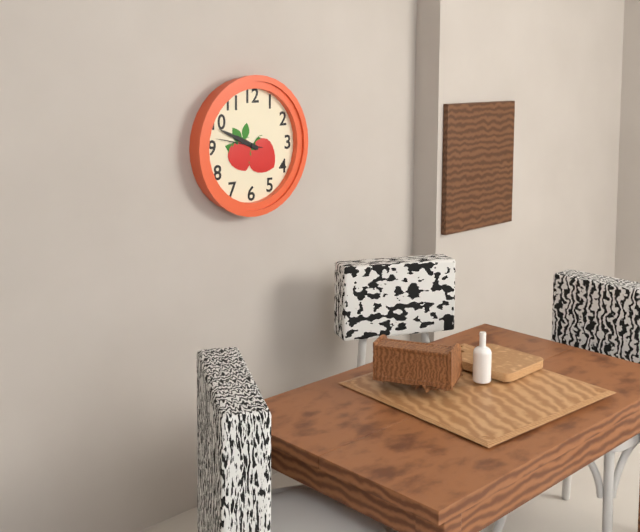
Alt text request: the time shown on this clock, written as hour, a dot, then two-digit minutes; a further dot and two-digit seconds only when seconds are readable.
9.49
